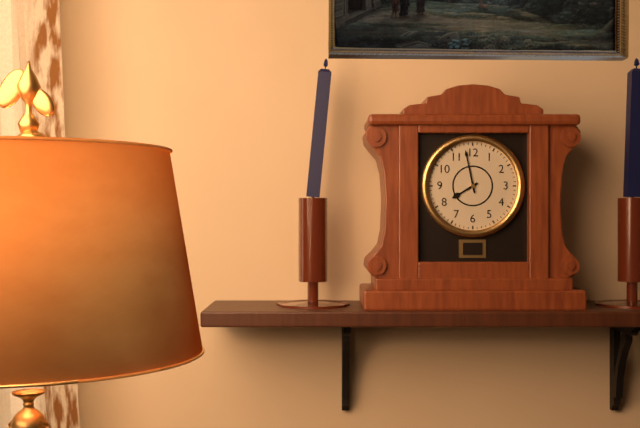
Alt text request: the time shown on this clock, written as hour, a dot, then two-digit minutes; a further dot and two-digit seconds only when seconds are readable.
7.58
